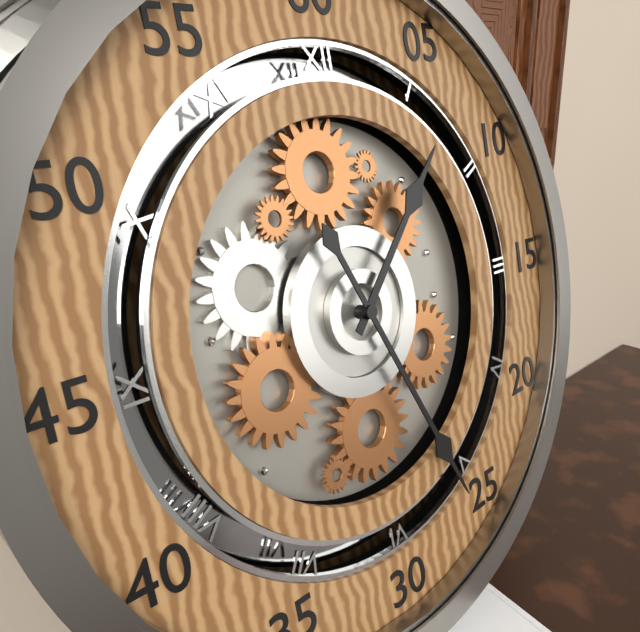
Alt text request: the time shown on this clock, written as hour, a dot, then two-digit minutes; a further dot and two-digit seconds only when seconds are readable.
1.26
